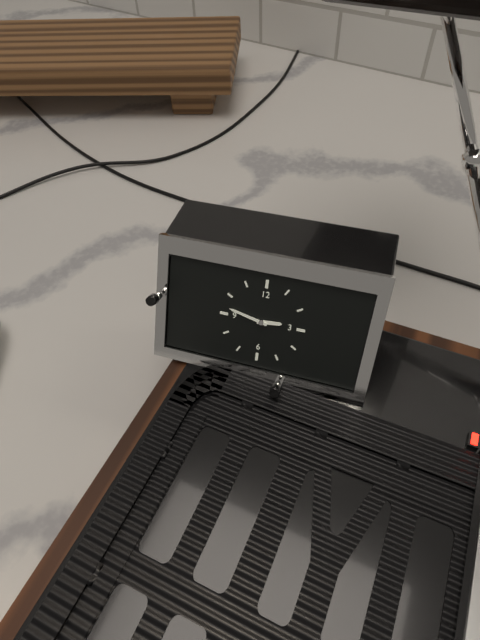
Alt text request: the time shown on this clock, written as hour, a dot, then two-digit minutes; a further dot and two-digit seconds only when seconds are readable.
2.47
